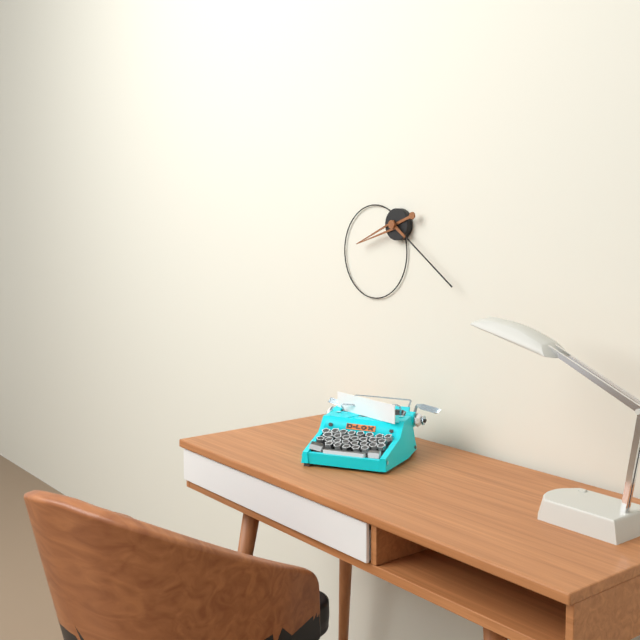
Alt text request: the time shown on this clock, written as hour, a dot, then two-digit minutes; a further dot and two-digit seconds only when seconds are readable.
8.21
